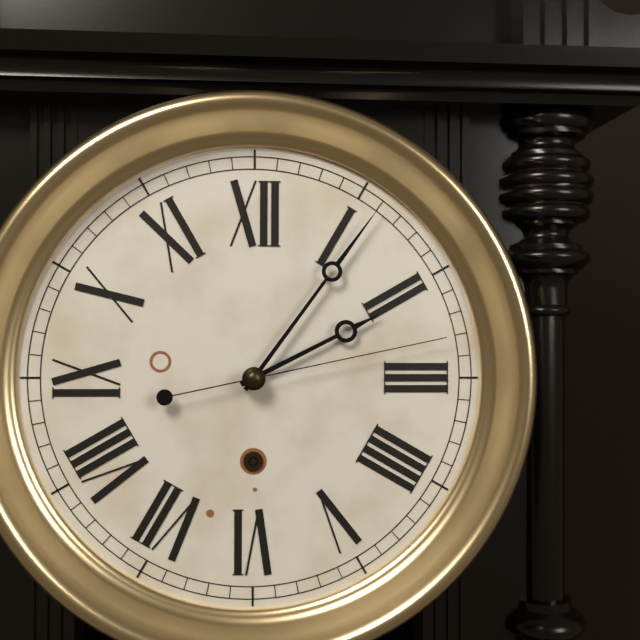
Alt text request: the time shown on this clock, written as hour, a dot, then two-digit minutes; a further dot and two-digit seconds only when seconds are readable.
2.06.13
